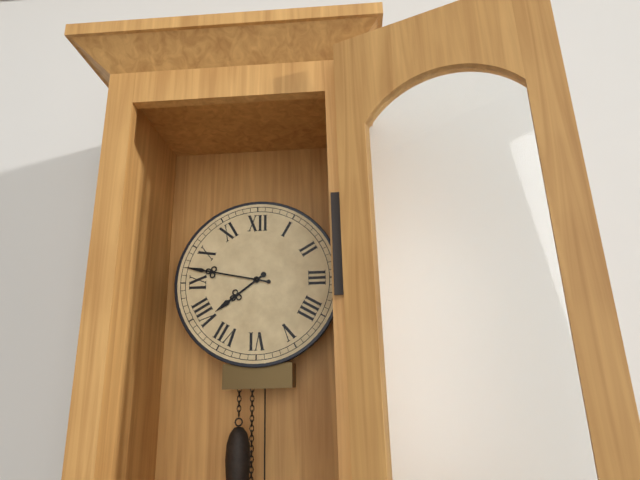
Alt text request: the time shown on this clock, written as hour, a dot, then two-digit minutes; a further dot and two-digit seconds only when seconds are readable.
7.47
